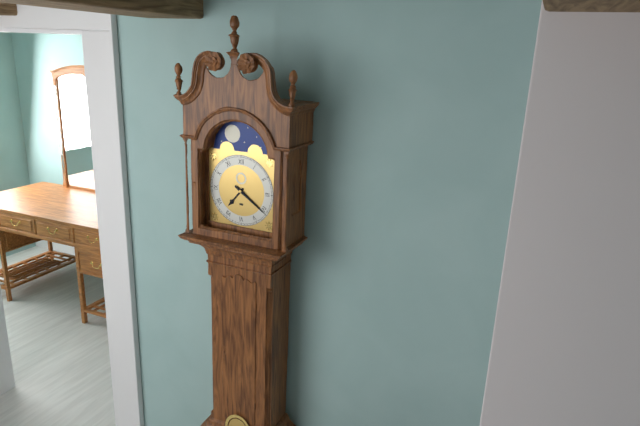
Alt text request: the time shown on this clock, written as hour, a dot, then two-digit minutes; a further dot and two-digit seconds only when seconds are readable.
7.21
